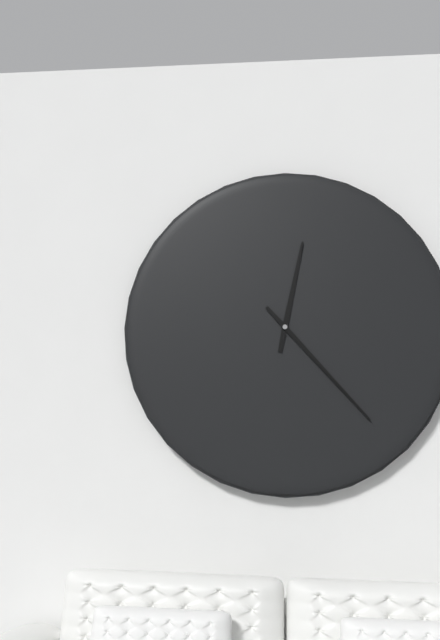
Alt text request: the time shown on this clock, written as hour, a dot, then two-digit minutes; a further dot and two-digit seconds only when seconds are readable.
12.23
